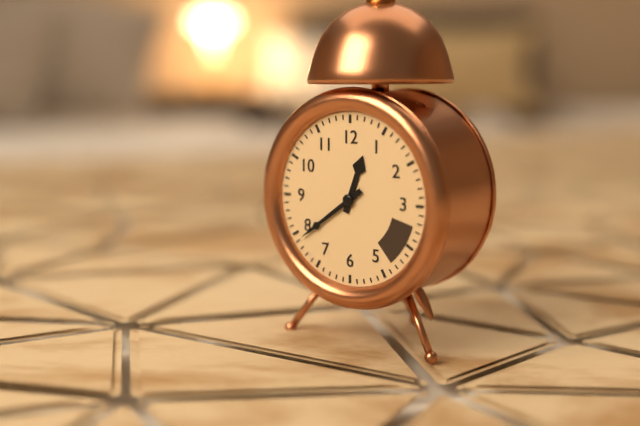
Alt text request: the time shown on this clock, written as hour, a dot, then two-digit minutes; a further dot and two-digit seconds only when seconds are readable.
12.39
